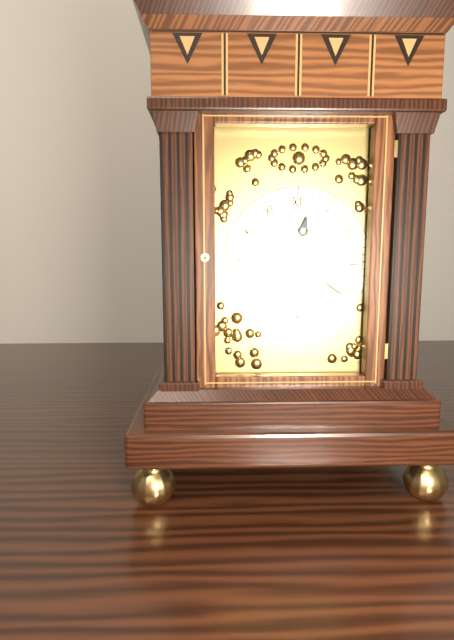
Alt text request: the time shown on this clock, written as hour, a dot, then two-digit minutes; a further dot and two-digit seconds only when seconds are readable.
12.21
